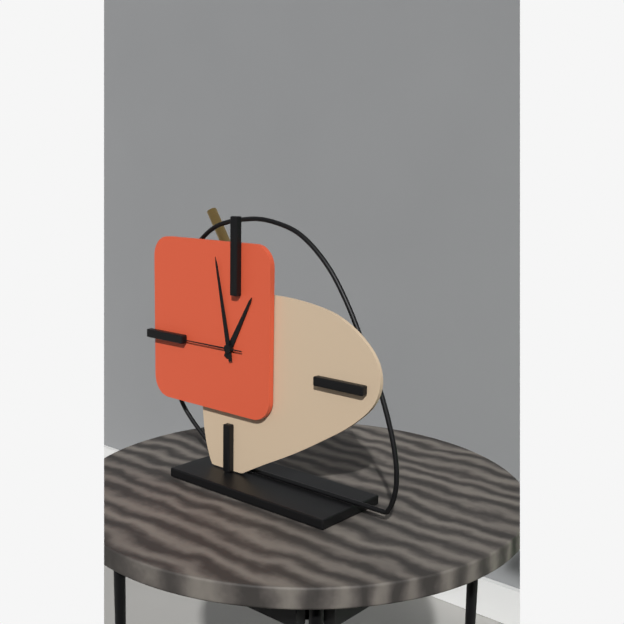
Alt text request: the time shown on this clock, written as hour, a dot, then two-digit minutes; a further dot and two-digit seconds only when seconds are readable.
12.58.45
